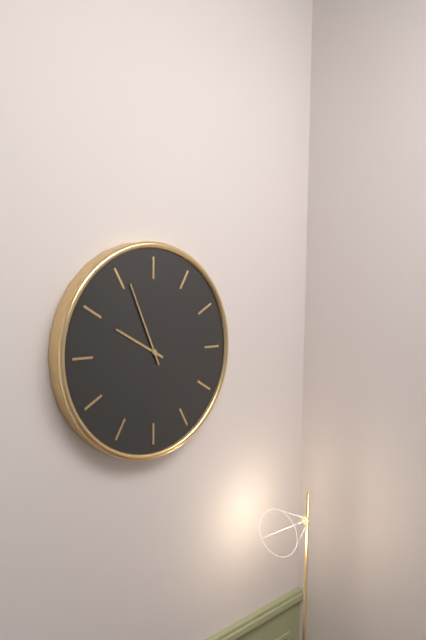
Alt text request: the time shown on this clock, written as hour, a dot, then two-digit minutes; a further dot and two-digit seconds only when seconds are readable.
9.56
